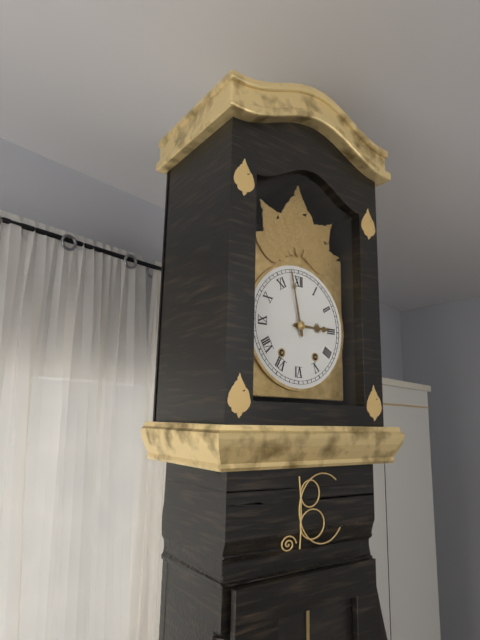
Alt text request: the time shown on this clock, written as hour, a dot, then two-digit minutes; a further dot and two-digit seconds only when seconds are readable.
2.58
